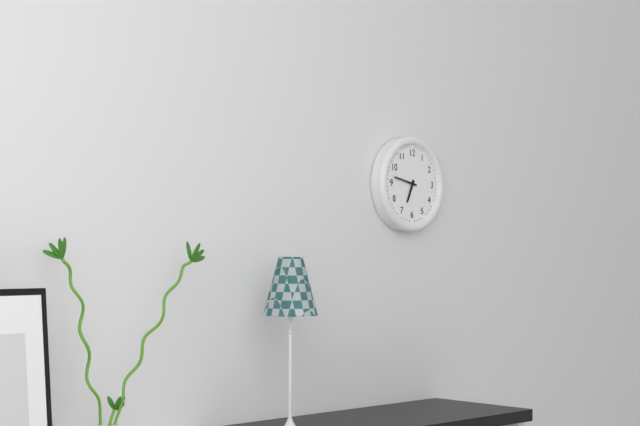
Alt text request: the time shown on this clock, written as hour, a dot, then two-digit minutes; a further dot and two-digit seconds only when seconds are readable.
6.47
